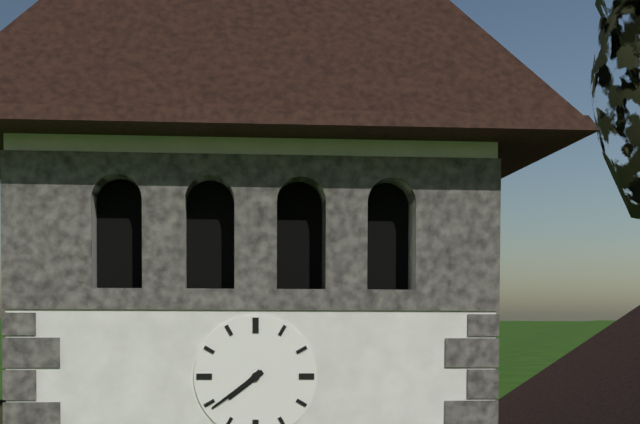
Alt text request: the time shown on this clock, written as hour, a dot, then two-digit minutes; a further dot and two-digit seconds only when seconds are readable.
7.39
